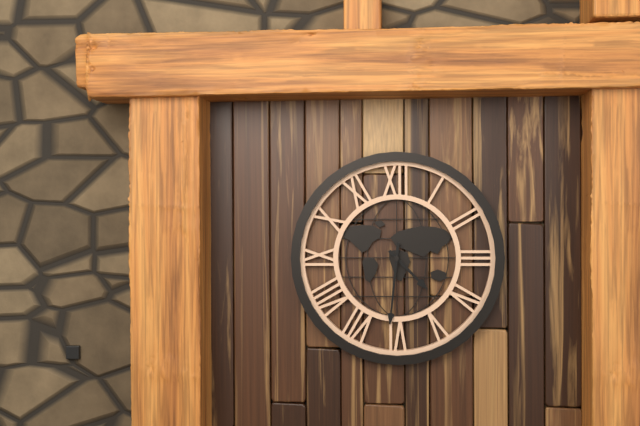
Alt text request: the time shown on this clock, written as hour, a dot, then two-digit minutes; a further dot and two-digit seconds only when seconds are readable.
4.31
